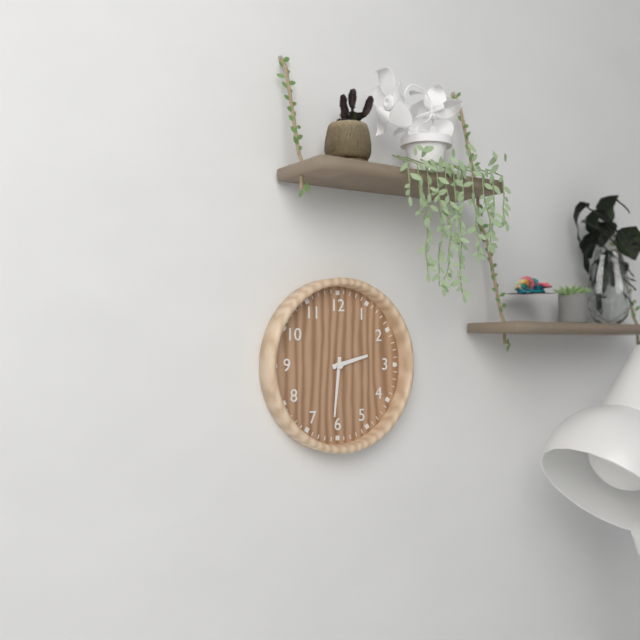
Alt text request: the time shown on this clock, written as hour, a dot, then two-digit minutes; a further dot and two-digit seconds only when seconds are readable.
2.31
